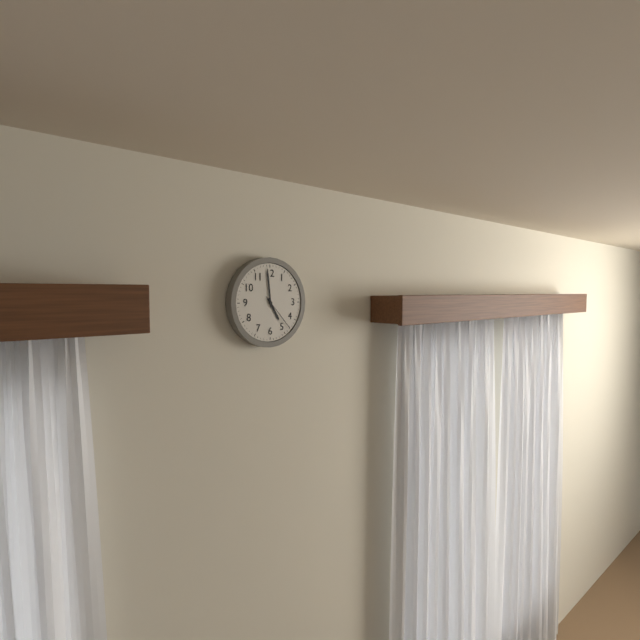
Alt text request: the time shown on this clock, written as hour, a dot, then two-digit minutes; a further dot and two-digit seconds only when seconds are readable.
4.59
